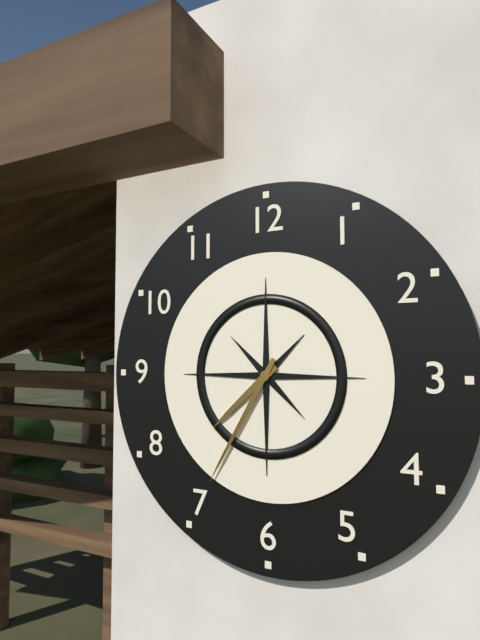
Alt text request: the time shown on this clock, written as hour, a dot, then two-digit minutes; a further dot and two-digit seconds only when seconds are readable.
7.35
